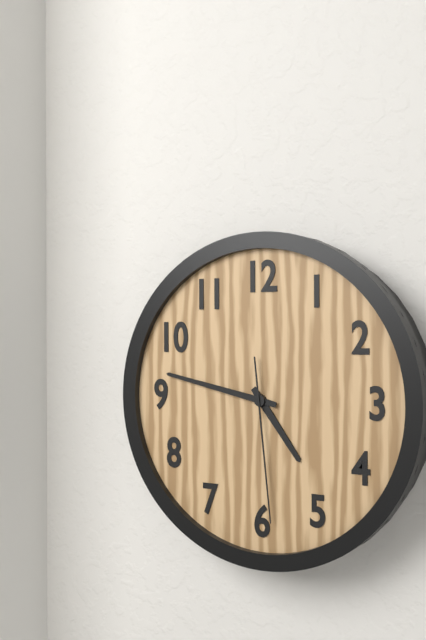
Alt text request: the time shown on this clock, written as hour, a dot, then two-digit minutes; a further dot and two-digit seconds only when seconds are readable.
4.47.29
